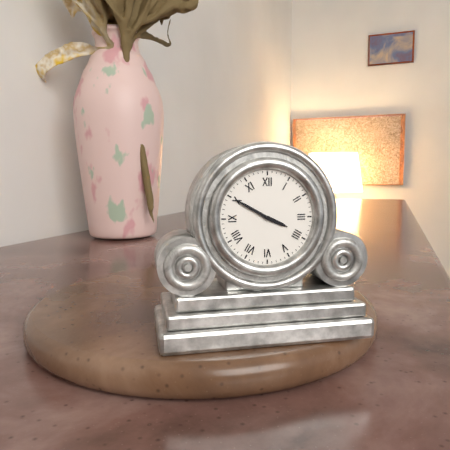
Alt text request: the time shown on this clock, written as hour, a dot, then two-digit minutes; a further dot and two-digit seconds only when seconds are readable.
3.50
